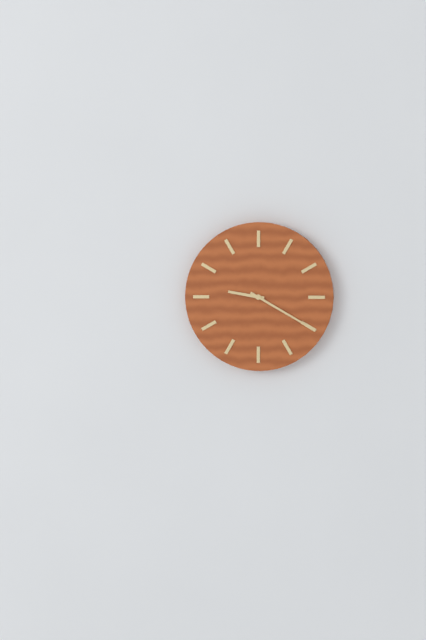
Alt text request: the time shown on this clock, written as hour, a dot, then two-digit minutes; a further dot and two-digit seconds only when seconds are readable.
9.20
